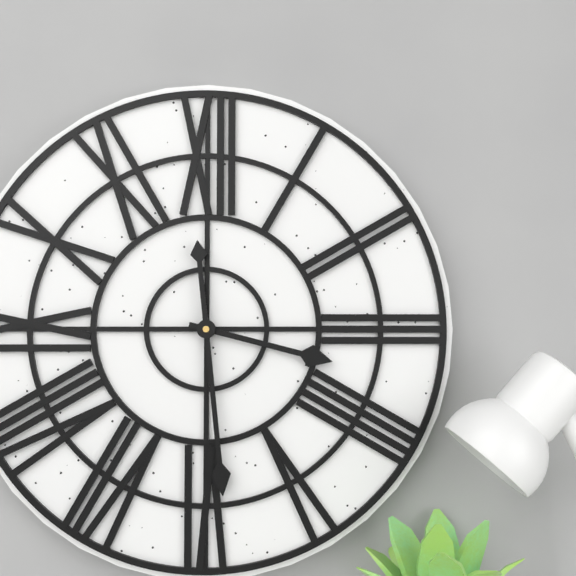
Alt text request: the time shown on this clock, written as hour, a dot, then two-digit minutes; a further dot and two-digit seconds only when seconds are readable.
3.29
